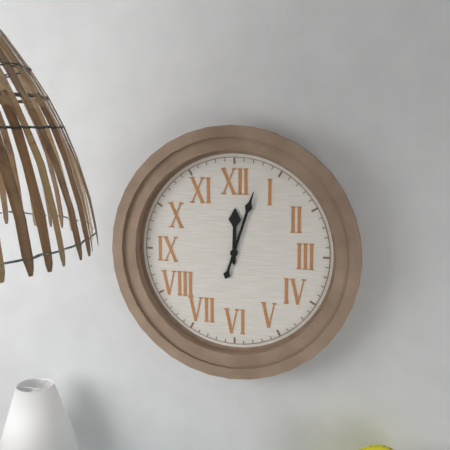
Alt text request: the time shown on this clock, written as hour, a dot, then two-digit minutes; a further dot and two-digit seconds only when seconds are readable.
12.03
